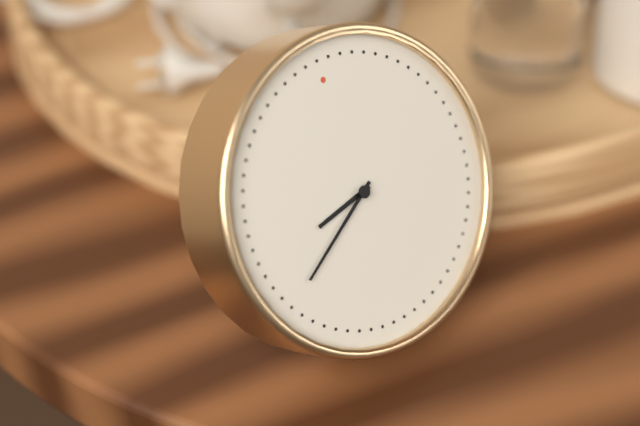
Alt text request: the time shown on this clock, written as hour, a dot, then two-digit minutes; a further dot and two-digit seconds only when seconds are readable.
8.40
